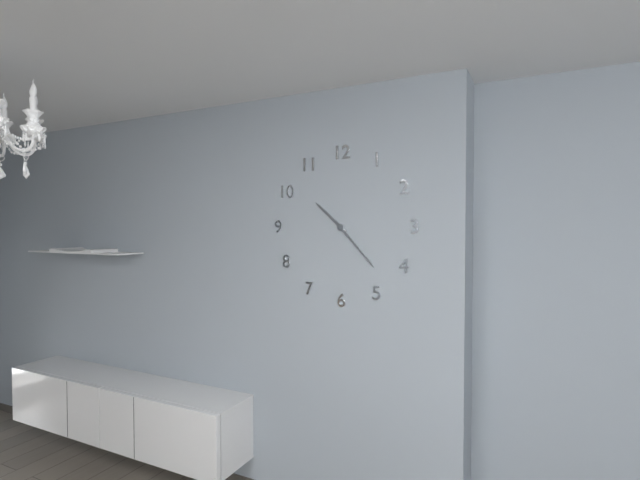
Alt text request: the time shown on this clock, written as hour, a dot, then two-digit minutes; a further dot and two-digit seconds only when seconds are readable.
10.23
